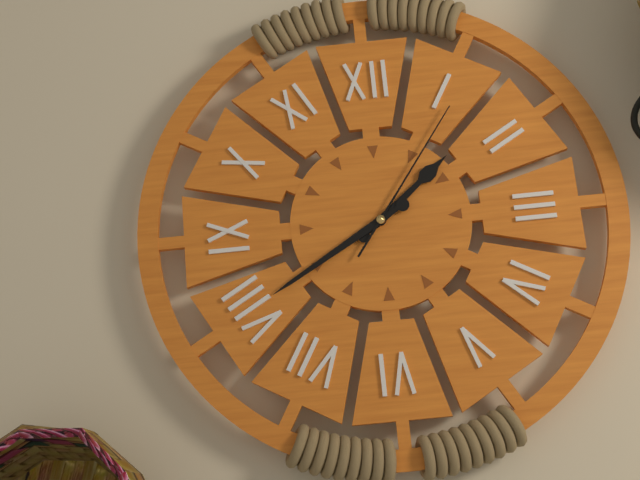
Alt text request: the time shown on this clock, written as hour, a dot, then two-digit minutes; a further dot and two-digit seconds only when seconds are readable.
1.40.06
